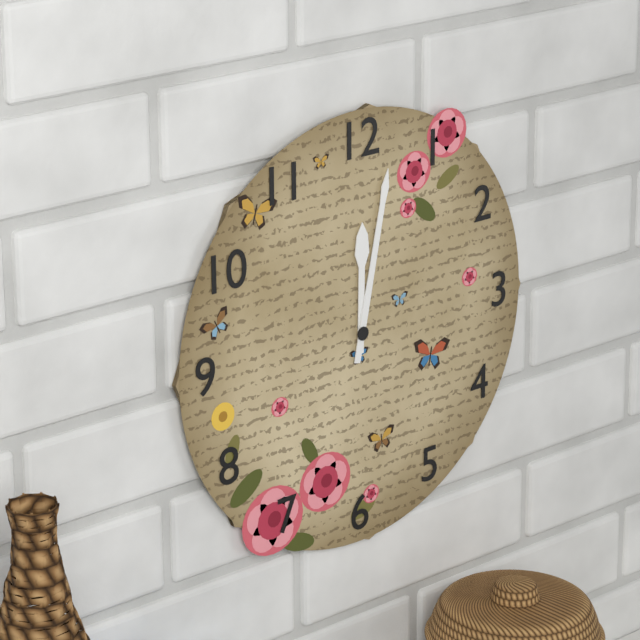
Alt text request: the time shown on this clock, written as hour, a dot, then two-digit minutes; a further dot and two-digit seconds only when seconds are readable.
12.02
